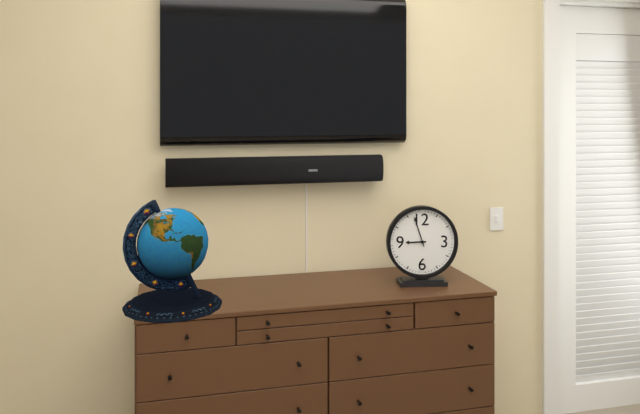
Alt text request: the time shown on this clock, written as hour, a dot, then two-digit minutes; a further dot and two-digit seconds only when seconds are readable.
8.57
